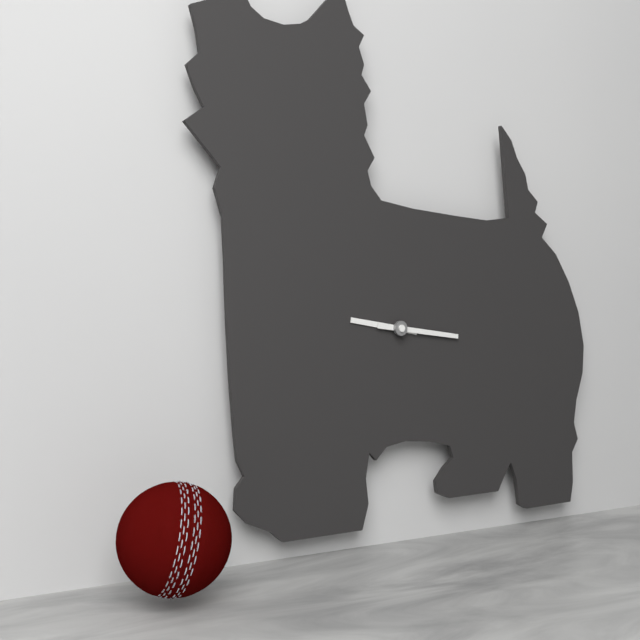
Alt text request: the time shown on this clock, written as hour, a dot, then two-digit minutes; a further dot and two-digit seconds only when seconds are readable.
9.16
